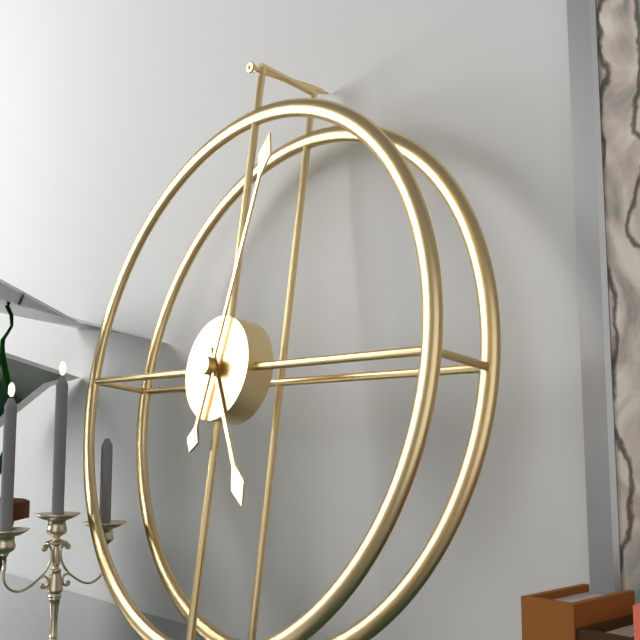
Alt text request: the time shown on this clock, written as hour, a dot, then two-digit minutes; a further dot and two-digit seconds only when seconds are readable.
5.02
